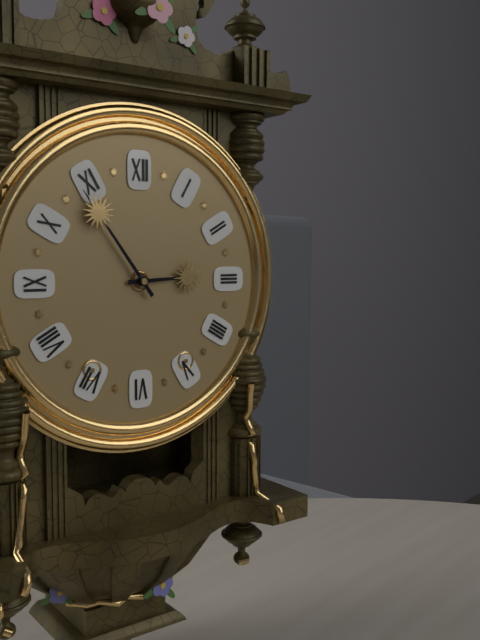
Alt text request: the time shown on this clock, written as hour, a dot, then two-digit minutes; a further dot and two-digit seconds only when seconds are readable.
2.54
